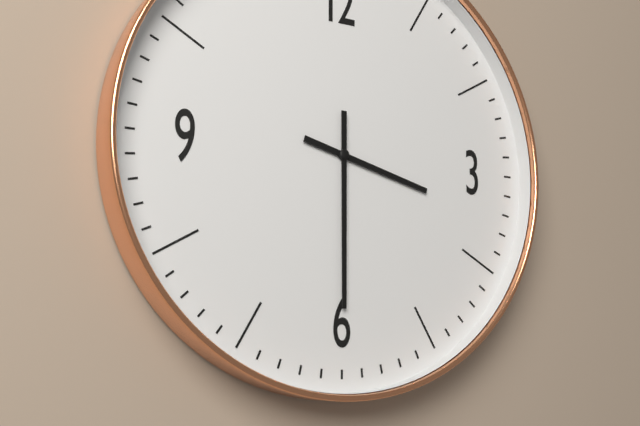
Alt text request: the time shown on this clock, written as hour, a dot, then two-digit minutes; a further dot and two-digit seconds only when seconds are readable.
3.30
